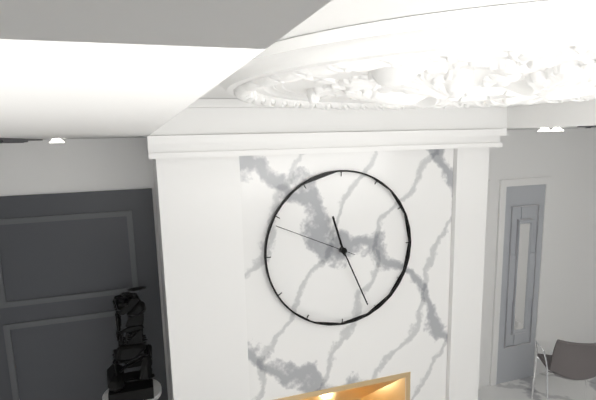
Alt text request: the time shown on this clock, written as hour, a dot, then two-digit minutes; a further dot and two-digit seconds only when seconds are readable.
11.26.49
